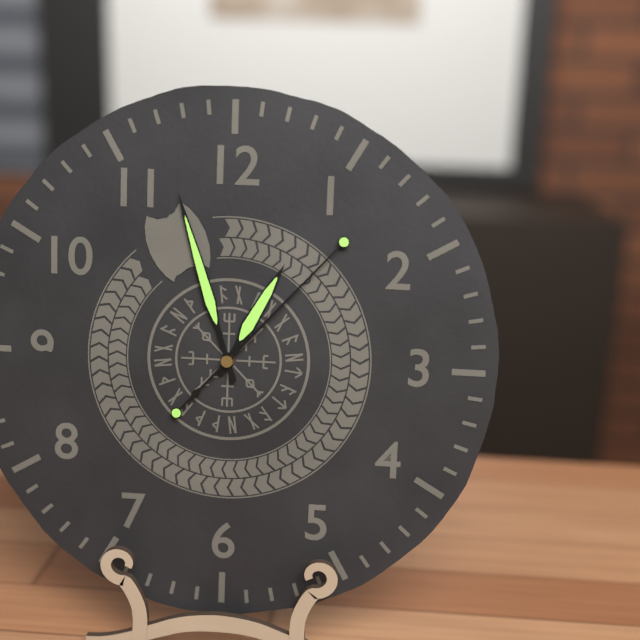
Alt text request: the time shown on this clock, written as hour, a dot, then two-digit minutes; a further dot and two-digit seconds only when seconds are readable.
12.57.07
